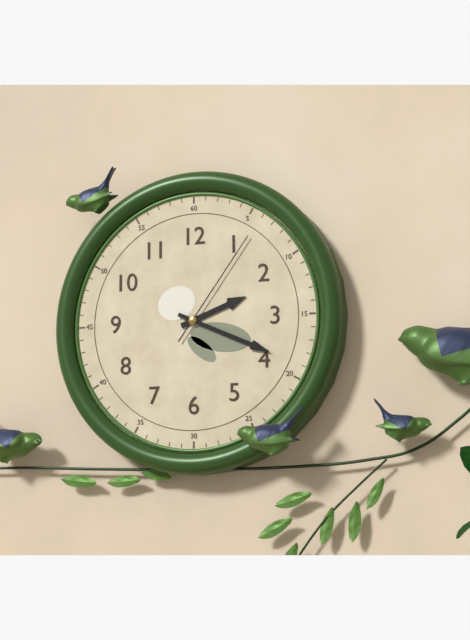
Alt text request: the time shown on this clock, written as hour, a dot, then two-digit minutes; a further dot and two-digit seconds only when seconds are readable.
2.19.06
